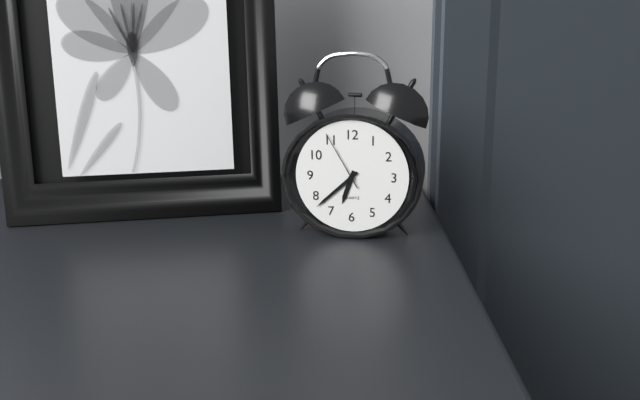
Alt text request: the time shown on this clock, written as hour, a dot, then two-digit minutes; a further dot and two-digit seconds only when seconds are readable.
6.38.55
